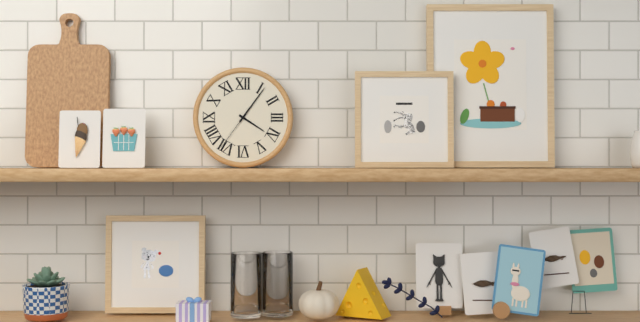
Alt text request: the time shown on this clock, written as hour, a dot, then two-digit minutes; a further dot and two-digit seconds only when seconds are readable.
4.06
